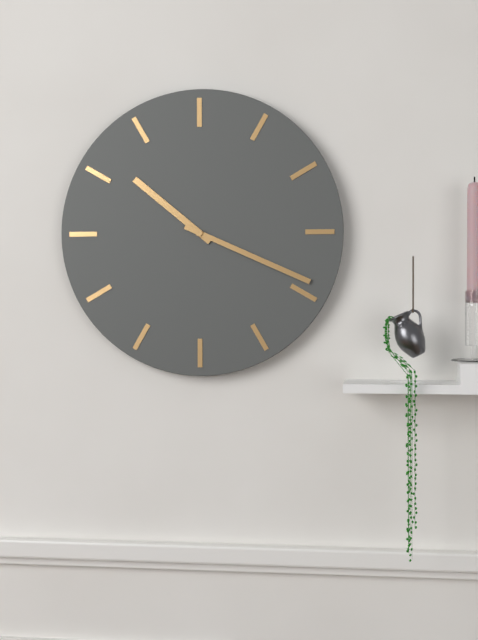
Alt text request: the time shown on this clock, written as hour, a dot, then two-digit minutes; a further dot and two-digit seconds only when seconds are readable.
10.19
